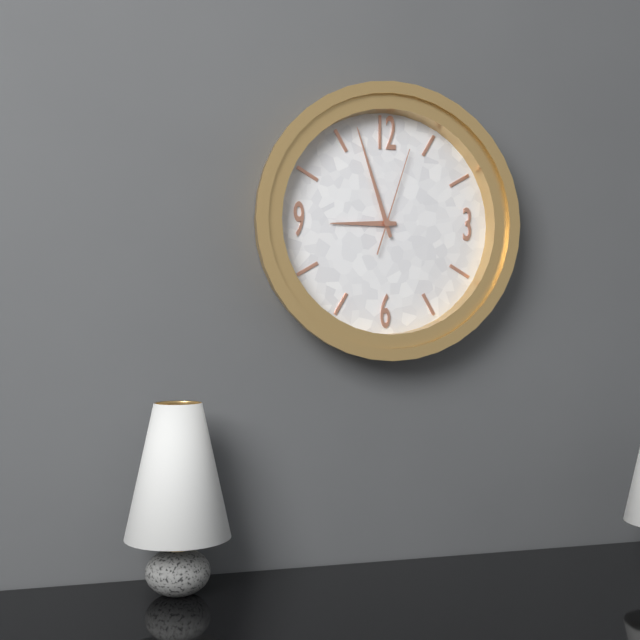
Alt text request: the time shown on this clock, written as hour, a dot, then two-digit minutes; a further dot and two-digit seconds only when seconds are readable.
8.57.03
